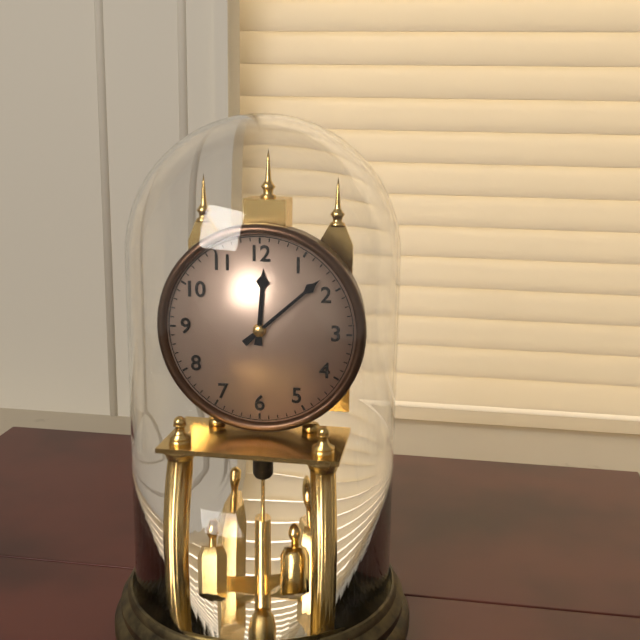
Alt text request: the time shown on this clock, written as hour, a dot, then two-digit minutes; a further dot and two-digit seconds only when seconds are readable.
12.08
